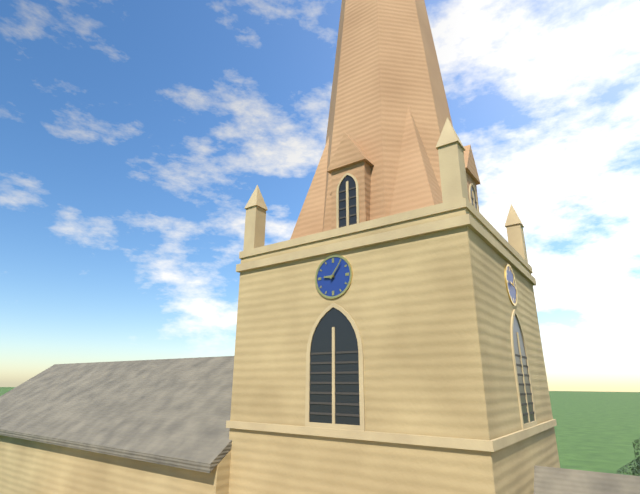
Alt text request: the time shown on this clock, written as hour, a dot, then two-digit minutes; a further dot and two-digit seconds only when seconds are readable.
9.06
